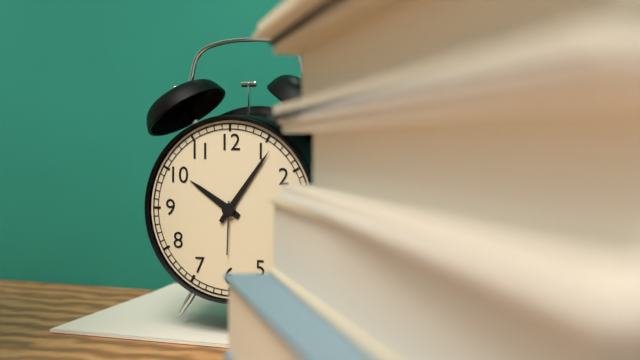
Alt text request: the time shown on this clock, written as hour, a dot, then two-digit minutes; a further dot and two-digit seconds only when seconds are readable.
10.06
